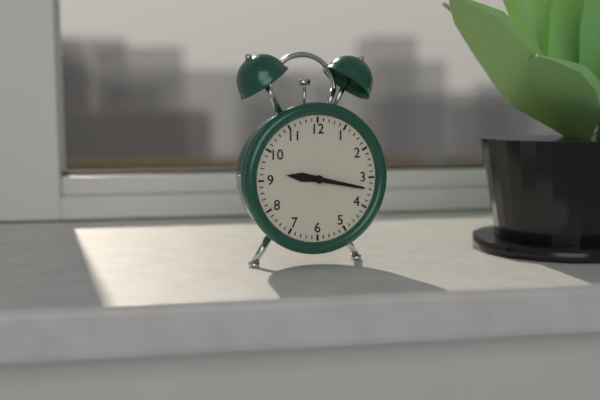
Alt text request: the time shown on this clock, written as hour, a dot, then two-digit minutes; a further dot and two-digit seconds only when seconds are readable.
9.17
